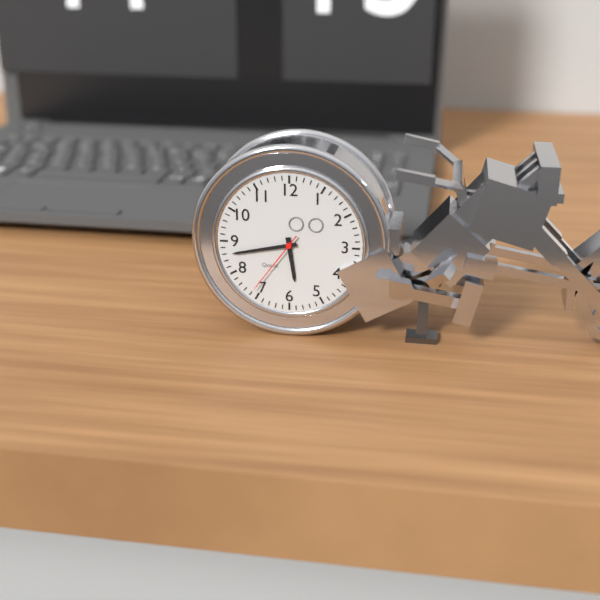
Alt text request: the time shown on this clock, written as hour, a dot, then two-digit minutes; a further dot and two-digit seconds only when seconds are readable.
5.43.36
